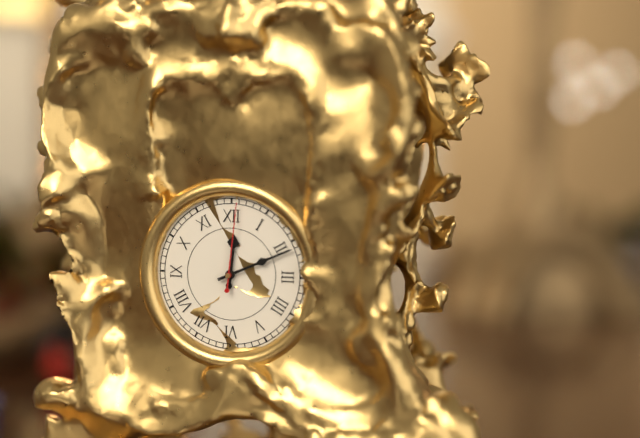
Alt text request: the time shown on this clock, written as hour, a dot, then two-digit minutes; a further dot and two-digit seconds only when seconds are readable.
12.11.01
